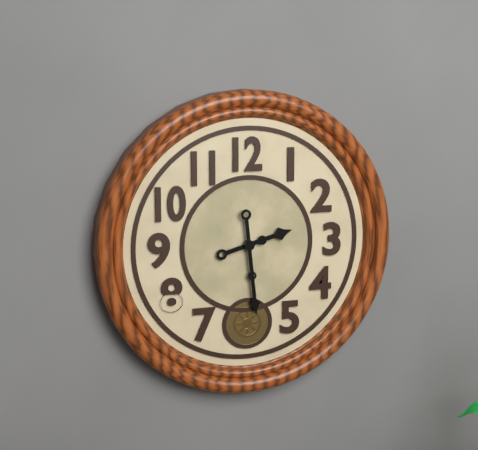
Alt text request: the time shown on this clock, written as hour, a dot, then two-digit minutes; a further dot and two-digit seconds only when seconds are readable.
2.29
